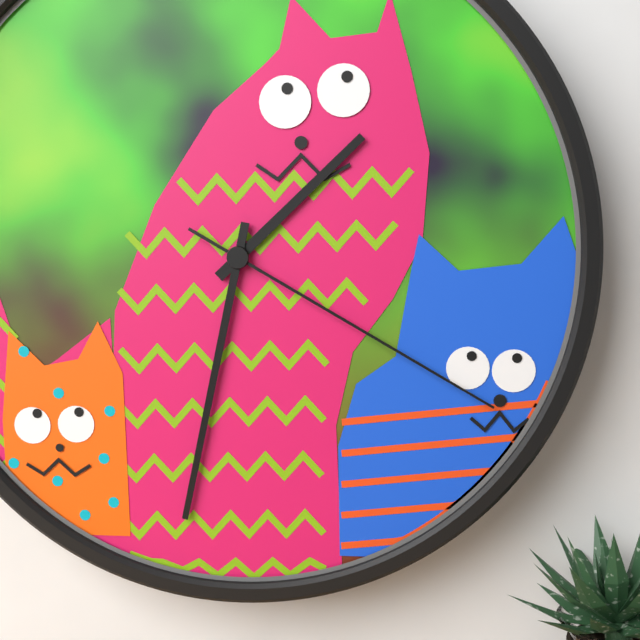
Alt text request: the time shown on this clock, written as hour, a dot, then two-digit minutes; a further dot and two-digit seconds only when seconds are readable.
1.32.20
